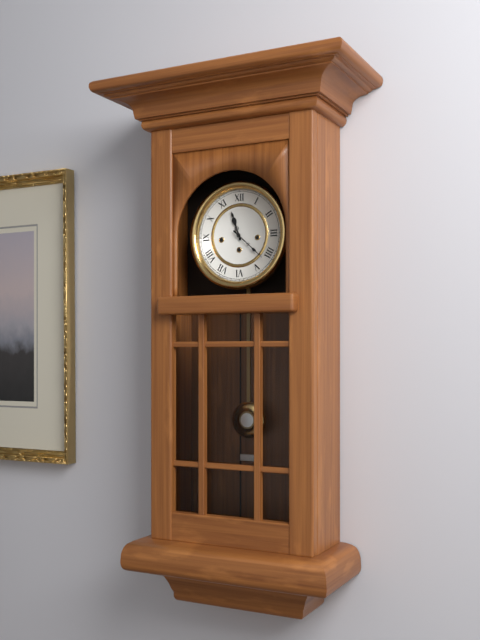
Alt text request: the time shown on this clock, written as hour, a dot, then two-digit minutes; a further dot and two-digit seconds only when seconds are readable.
11.22
